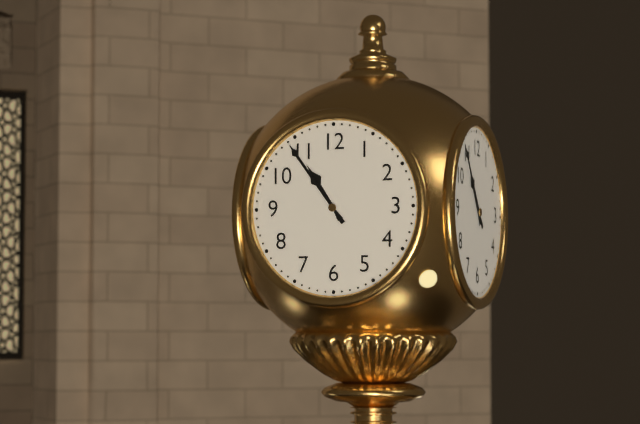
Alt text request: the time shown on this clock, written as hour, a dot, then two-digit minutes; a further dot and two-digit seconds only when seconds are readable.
10.54
